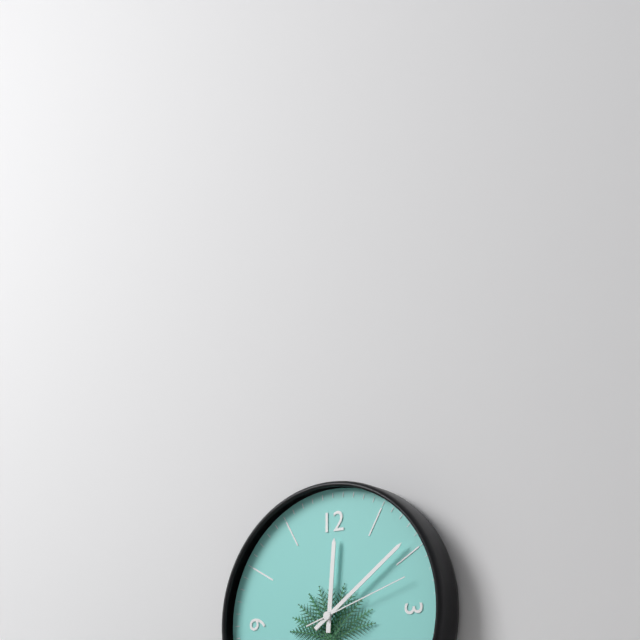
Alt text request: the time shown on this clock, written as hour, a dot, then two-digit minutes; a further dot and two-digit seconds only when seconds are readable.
12.09.12
